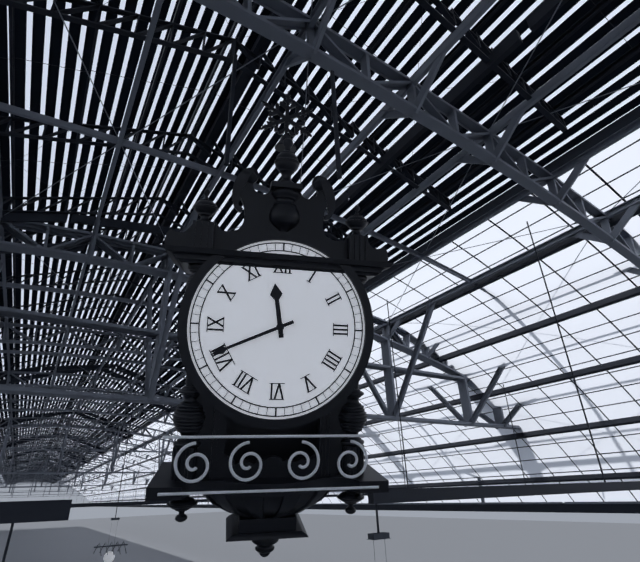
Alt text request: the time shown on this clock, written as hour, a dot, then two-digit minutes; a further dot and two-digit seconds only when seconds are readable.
11.41
